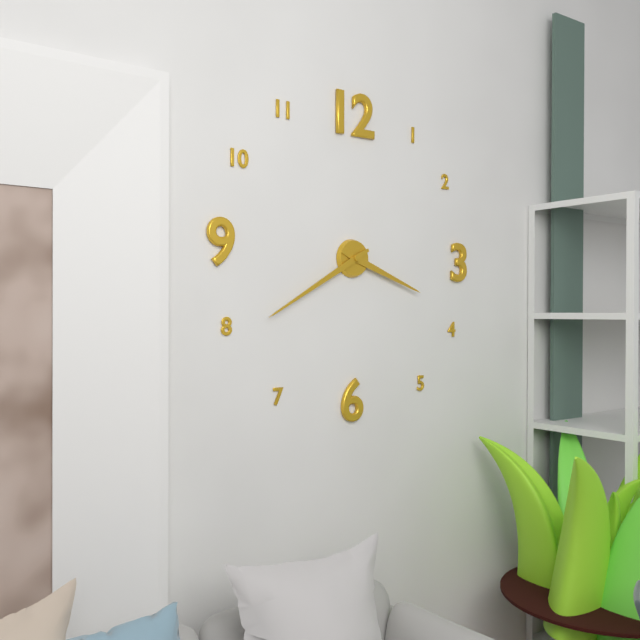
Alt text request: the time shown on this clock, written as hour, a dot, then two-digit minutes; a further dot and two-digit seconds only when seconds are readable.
3.40
